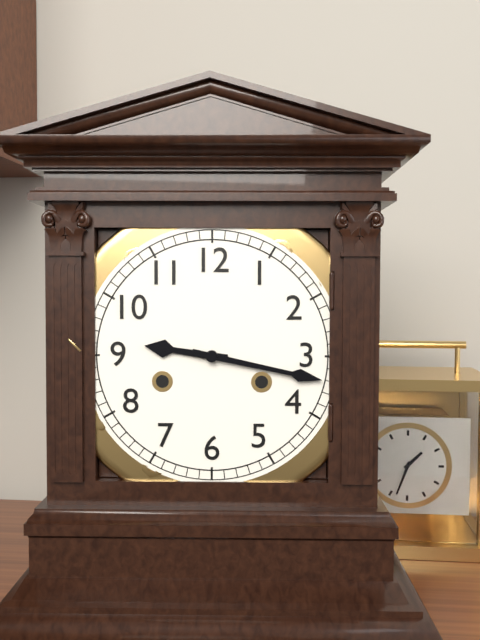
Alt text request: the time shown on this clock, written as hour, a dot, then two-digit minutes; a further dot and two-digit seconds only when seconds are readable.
9.17
